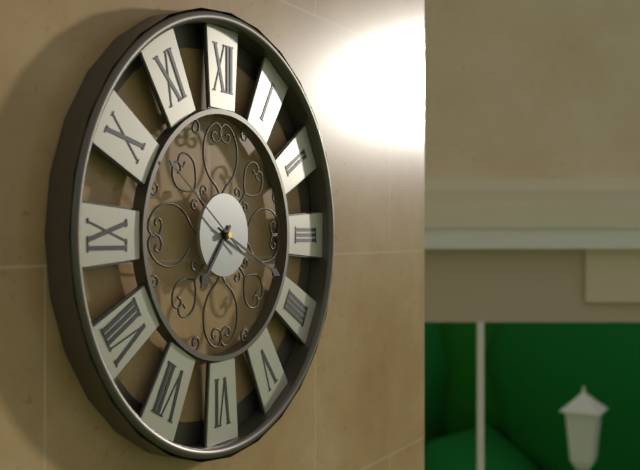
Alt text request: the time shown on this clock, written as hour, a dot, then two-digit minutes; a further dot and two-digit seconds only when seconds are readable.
7.19.51
